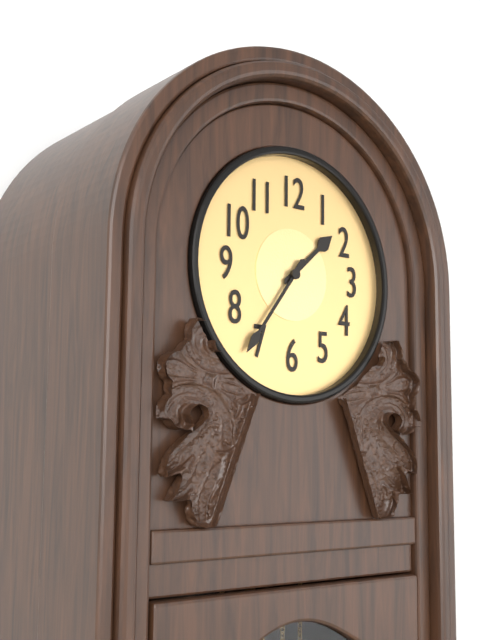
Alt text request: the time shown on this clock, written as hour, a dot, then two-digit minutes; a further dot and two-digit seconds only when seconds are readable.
1.36
